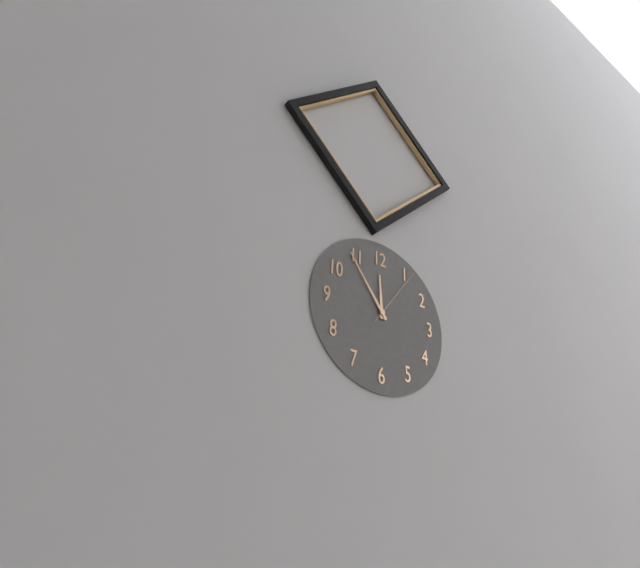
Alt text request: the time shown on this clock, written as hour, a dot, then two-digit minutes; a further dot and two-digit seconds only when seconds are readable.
11.54.06
